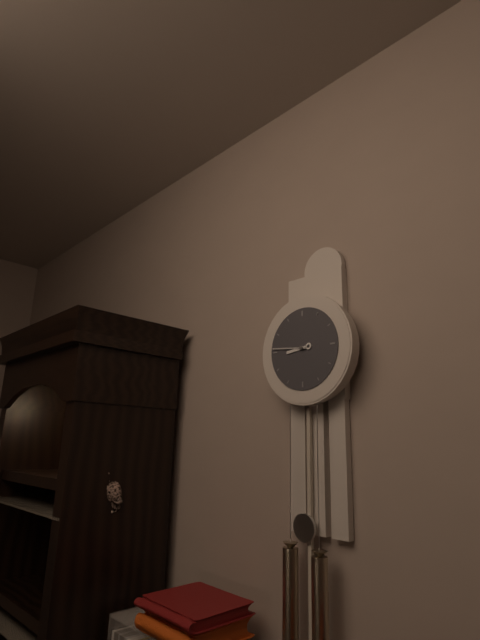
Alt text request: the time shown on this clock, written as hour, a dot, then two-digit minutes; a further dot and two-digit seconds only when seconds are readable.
8.46
